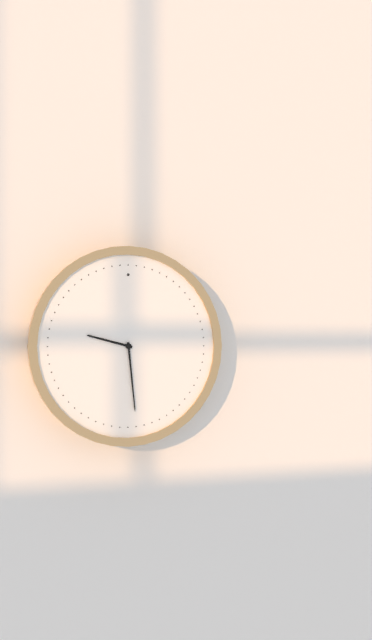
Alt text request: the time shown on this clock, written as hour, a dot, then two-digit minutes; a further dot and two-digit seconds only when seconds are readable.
9.29
